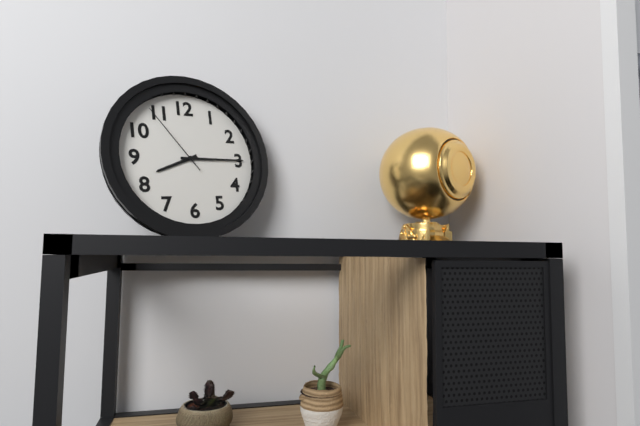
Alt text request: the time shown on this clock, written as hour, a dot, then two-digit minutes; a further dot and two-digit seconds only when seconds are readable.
8.15.54
